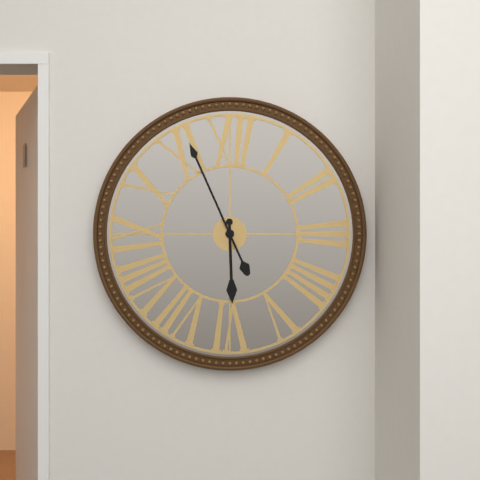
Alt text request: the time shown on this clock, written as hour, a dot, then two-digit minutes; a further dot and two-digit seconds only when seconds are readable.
5.56
